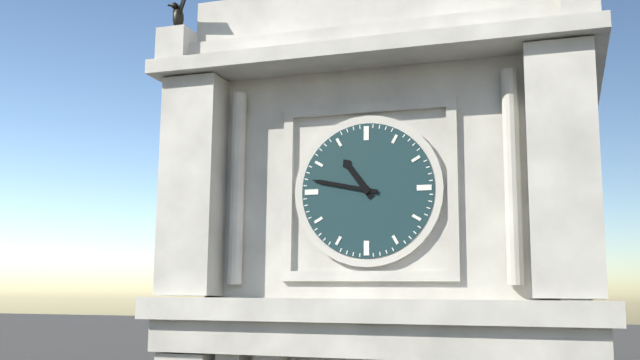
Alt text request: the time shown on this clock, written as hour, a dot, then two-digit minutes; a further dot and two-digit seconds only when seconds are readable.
10.47
